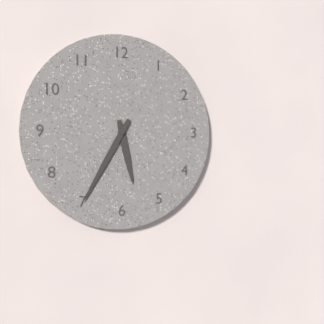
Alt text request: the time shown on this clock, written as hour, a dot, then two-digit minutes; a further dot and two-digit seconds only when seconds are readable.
5.35
